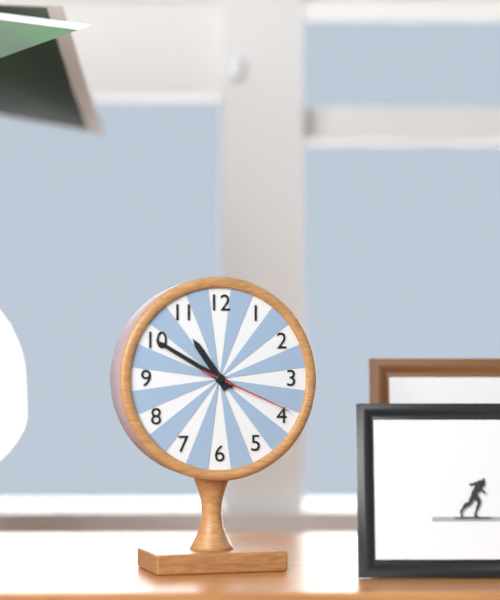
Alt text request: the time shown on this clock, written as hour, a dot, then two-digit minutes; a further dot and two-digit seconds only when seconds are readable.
10.50.19
